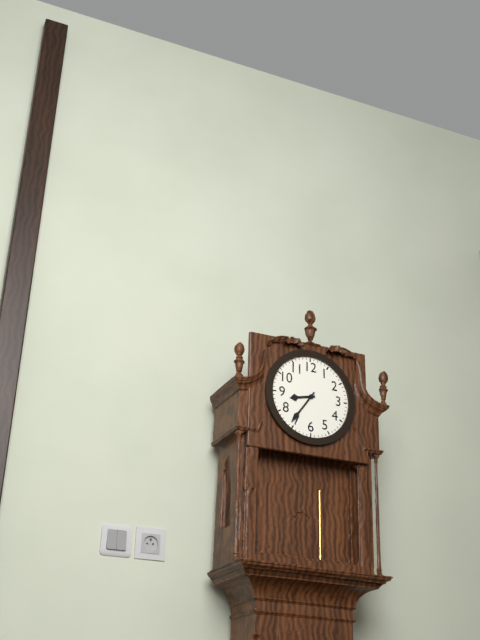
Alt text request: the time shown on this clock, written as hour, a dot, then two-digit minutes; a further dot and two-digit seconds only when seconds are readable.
8.36
